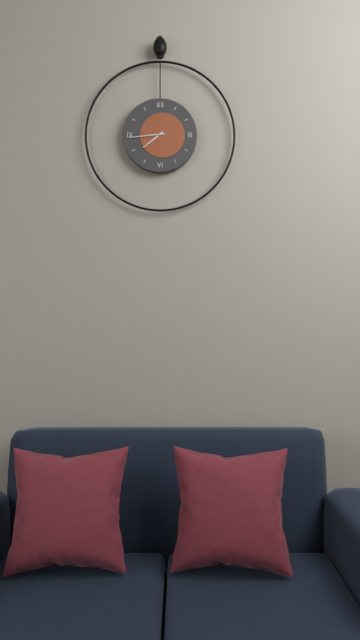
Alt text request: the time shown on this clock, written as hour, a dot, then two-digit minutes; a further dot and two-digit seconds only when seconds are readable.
7.44
